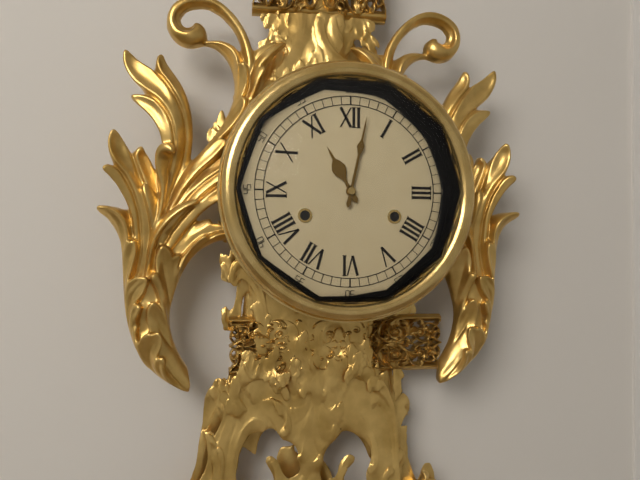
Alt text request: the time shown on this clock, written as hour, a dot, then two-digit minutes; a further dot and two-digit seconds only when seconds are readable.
11.02
